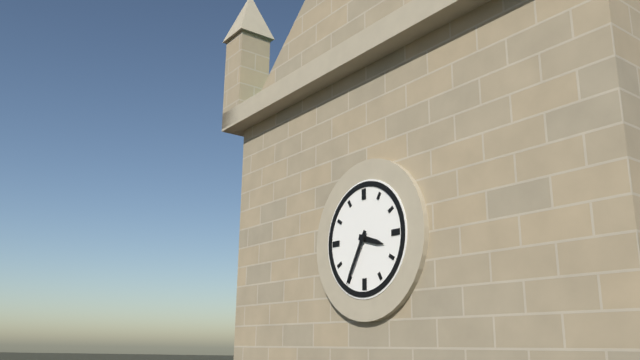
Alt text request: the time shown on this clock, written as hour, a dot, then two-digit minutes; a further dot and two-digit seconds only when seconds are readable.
3.35
